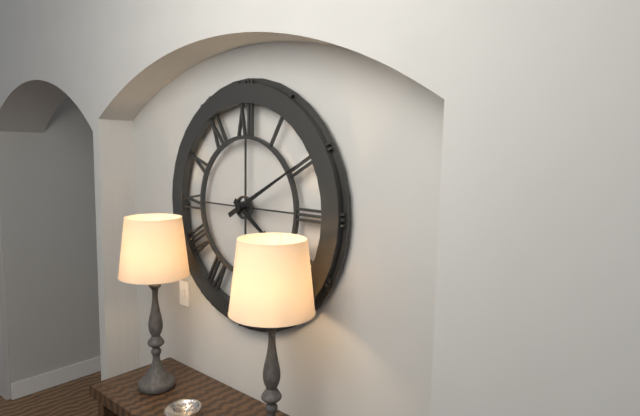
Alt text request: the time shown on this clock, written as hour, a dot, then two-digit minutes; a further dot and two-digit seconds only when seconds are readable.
4.10
